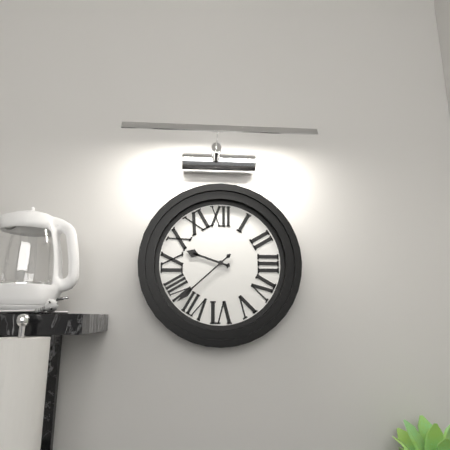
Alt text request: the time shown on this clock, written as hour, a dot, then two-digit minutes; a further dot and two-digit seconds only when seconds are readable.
9.38
